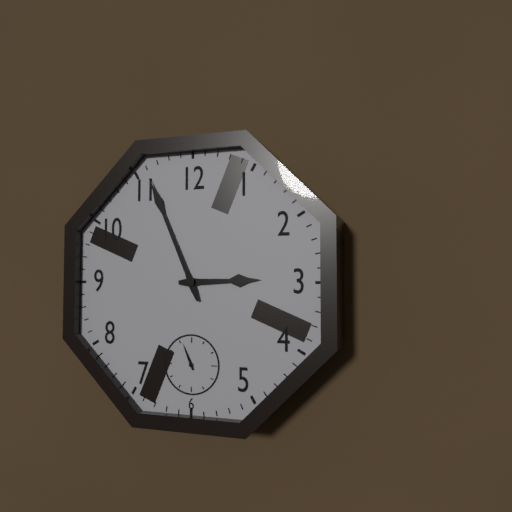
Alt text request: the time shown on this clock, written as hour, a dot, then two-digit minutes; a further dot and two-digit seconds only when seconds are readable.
2.56
